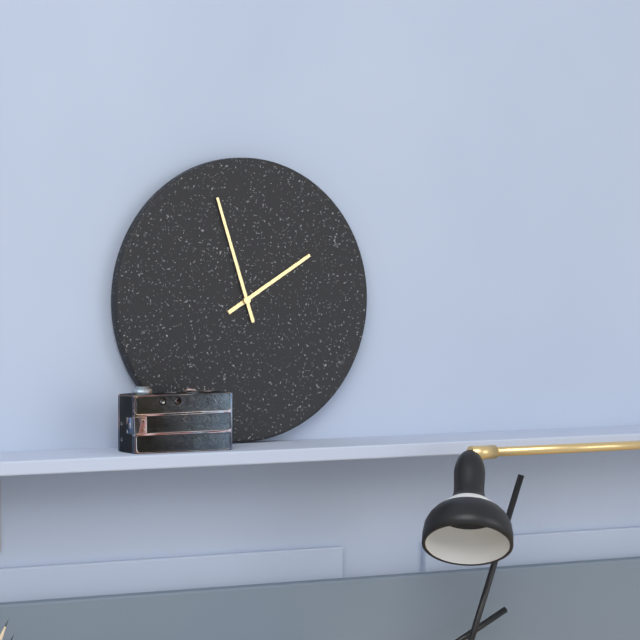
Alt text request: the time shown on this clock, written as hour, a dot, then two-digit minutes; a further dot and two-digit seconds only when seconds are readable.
1.57
